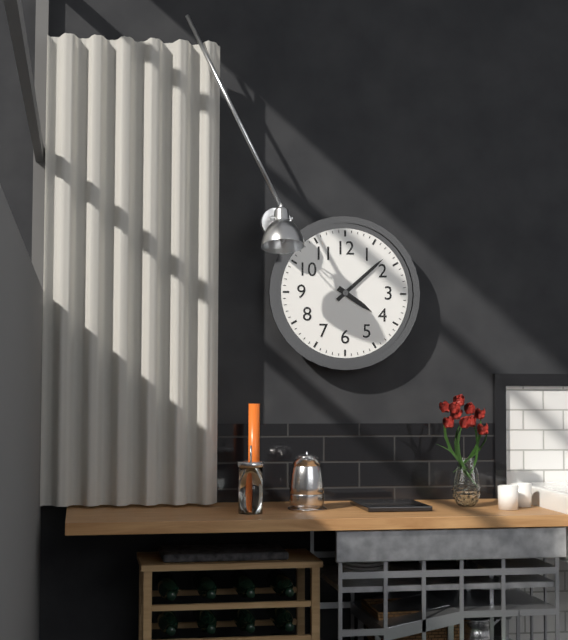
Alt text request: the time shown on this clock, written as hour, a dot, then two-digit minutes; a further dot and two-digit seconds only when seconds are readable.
4.08
